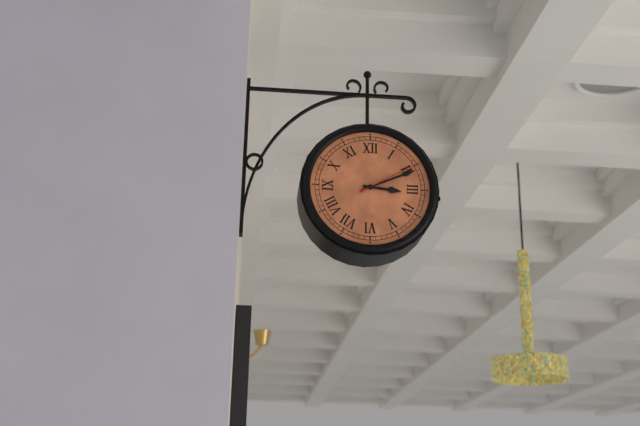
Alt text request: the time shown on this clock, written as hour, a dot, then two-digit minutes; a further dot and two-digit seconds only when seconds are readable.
3.11.10
